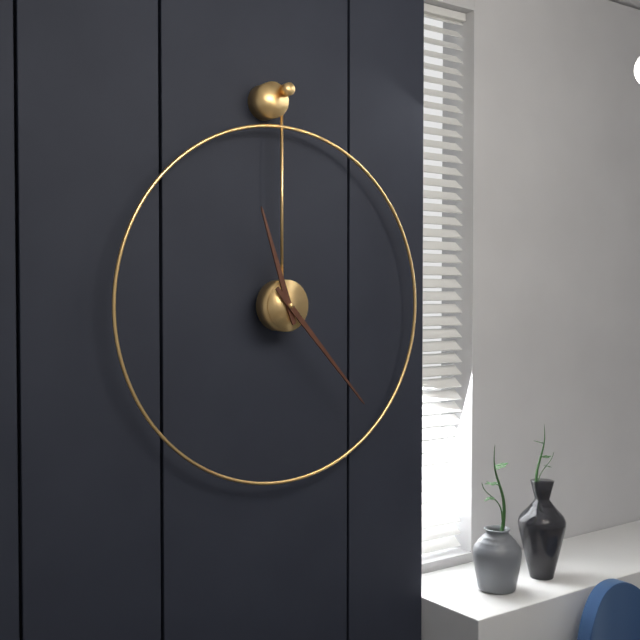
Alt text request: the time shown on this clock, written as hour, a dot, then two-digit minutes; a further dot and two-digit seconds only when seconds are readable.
11.23
